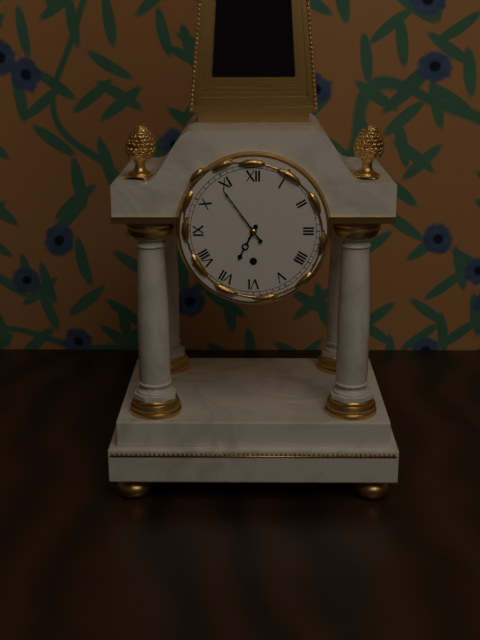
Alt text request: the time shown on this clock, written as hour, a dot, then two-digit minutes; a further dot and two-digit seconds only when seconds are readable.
6.54
